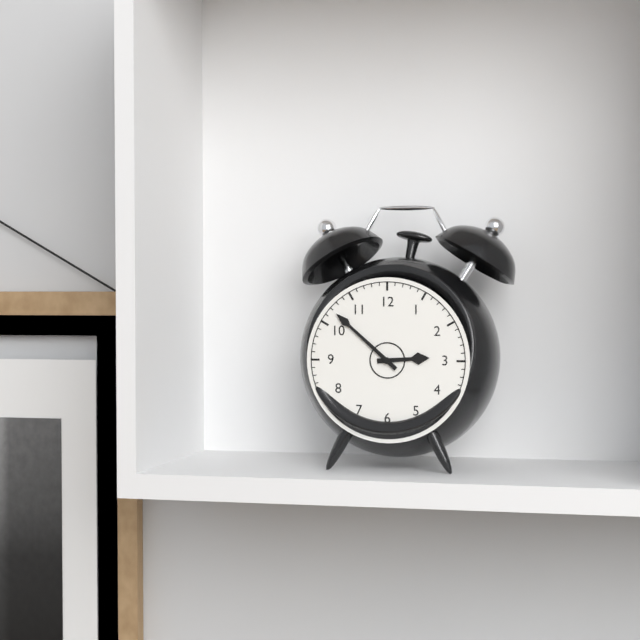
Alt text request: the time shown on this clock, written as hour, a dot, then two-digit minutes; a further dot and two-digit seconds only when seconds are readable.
2.52
